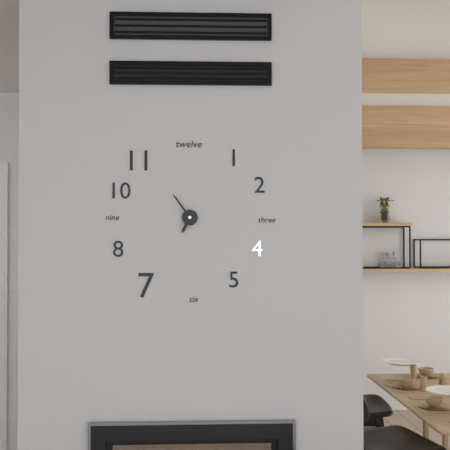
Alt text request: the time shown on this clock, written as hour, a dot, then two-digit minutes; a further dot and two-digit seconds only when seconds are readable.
6.54
